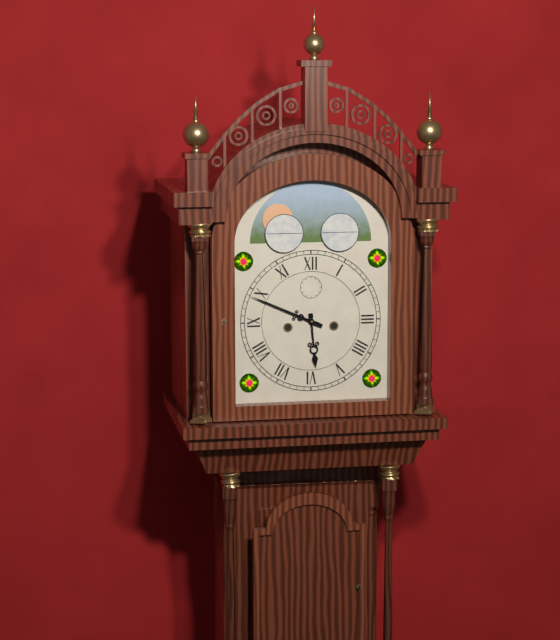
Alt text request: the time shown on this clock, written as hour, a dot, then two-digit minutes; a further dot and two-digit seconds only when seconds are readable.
5.49
